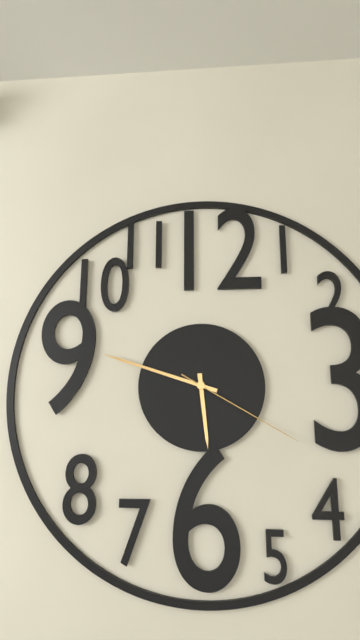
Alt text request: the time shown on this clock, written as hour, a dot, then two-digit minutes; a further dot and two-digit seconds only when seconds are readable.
5.48.20
